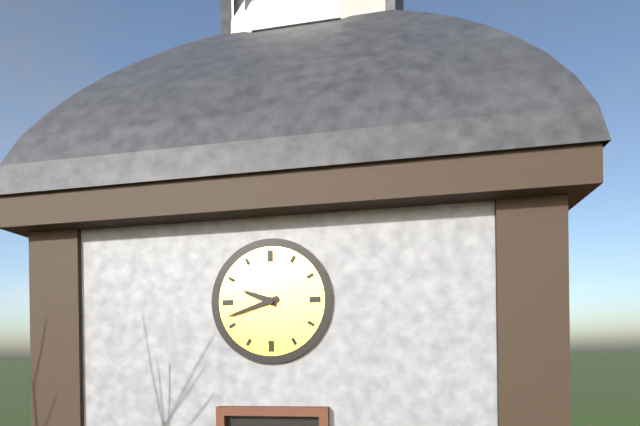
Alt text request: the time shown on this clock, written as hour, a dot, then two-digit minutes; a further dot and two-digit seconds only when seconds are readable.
9.42
